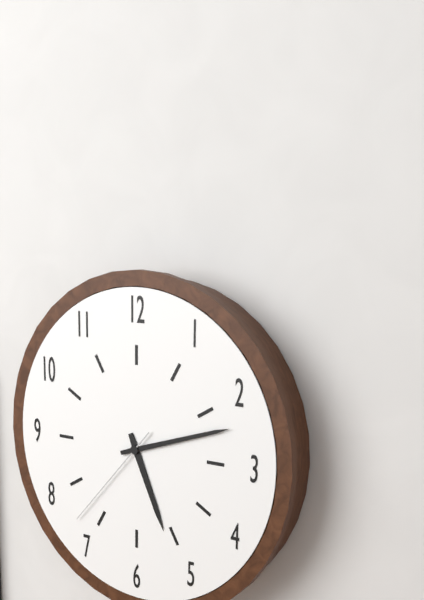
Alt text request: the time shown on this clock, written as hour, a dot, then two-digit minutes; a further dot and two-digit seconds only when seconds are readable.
5.12.37
